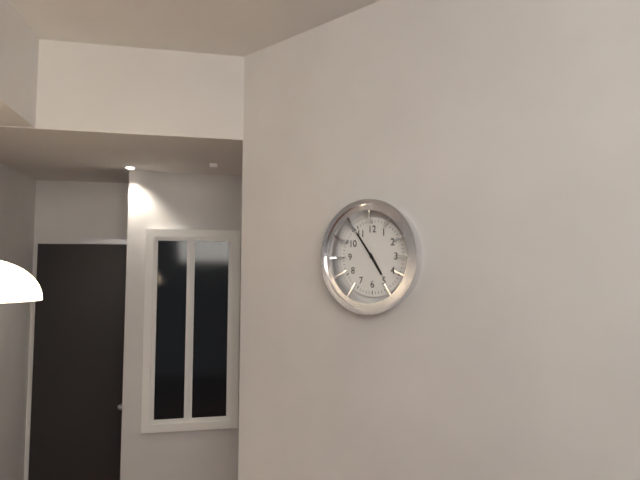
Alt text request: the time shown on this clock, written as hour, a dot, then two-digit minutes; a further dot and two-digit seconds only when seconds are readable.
4.54
